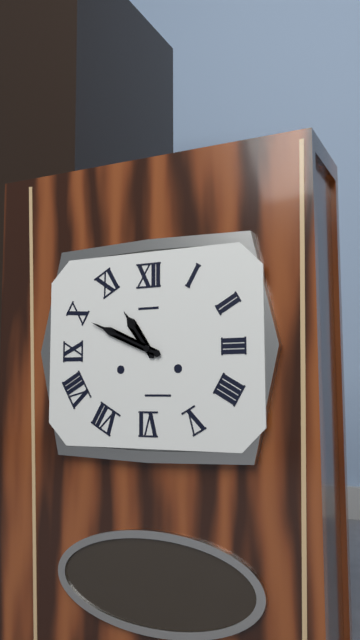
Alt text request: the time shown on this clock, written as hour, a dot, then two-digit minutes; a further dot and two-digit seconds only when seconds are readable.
10.49
